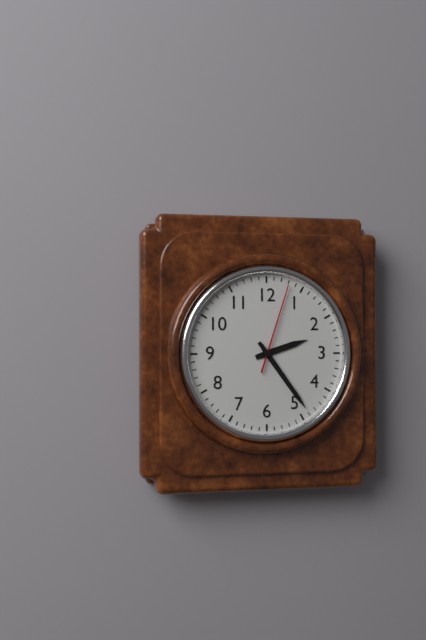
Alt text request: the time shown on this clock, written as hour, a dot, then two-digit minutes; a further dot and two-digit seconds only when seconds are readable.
2.24.03
